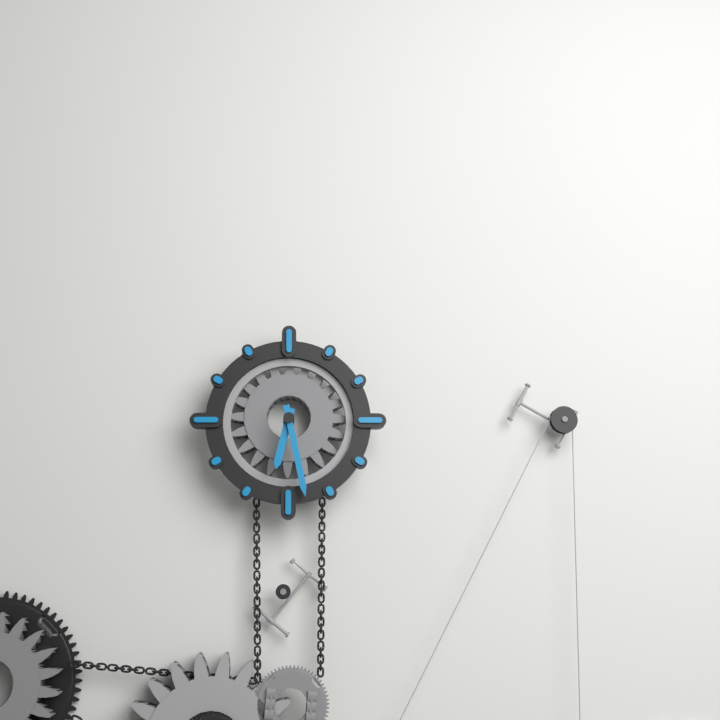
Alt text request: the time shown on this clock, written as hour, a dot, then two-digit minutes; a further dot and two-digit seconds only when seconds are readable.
6.28
